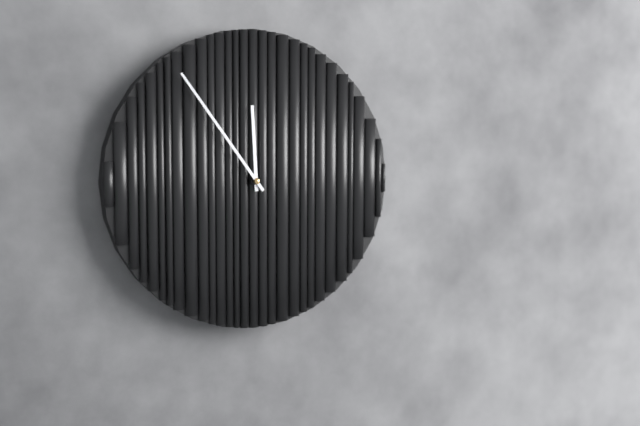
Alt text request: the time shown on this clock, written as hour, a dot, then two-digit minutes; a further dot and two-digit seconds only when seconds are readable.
11.54
